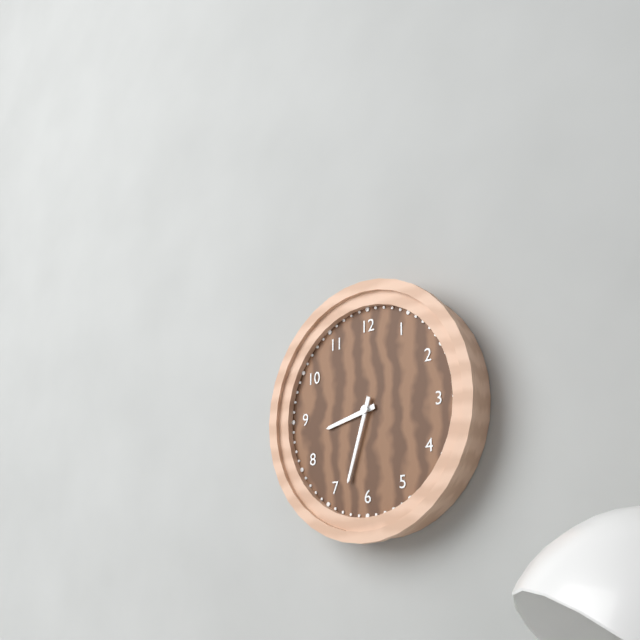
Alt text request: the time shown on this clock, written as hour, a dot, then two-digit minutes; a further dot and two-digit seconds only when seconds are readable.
8.33
